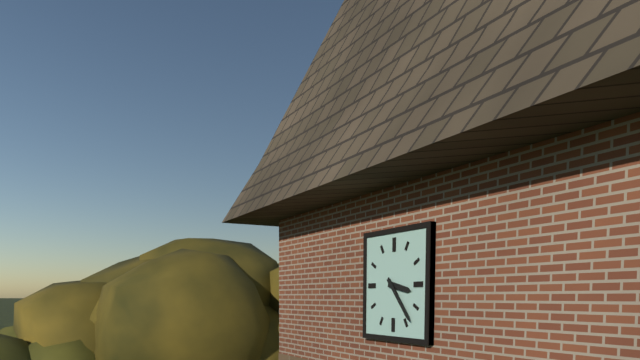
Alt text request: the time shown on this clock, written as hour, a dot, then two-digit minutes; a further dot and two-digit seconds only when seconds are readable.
3.23
